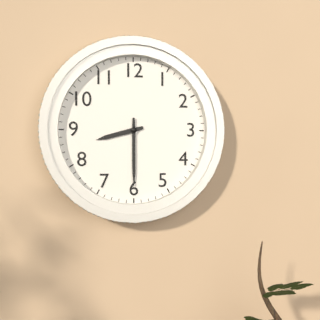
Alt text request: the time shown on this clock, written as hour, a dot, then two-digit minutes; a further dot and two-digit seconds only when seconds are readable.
8.30
